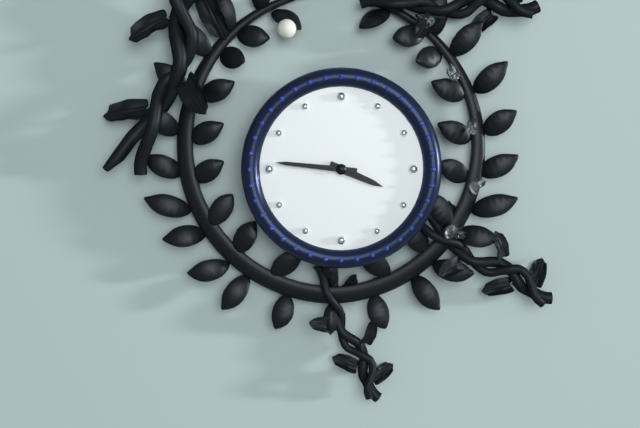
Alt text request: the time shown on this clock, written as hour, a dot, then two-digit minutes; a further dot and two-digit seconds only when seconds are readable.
3.46
